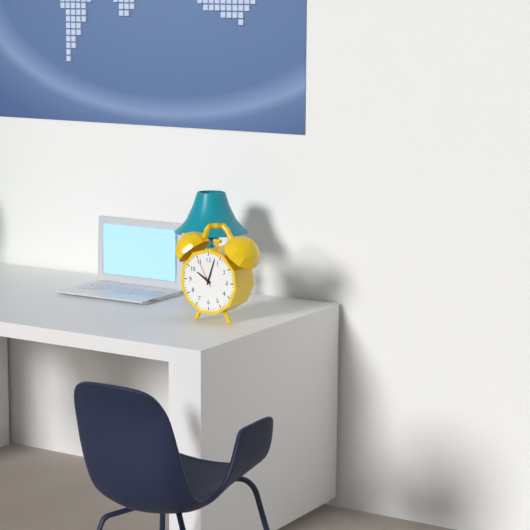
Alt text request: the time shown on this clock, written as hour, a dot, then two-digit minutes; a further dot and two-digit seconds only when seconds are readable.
10.03
